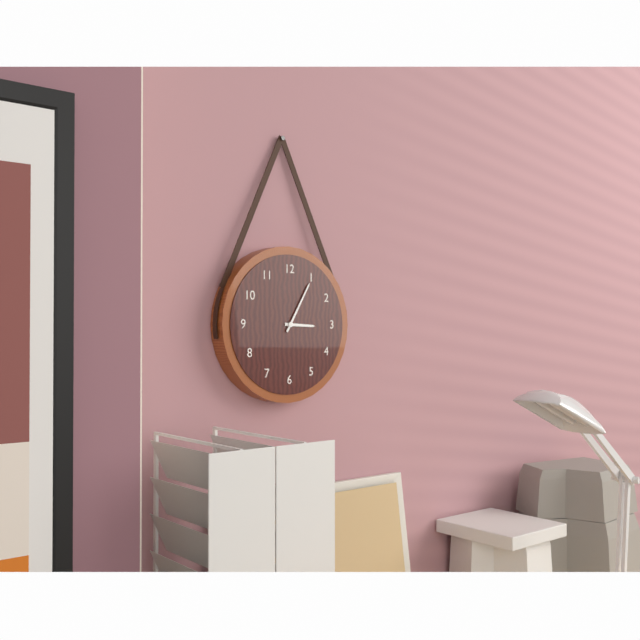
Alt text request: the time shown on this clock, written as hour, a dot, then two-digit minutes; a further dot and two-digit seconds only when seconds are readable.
3.05
